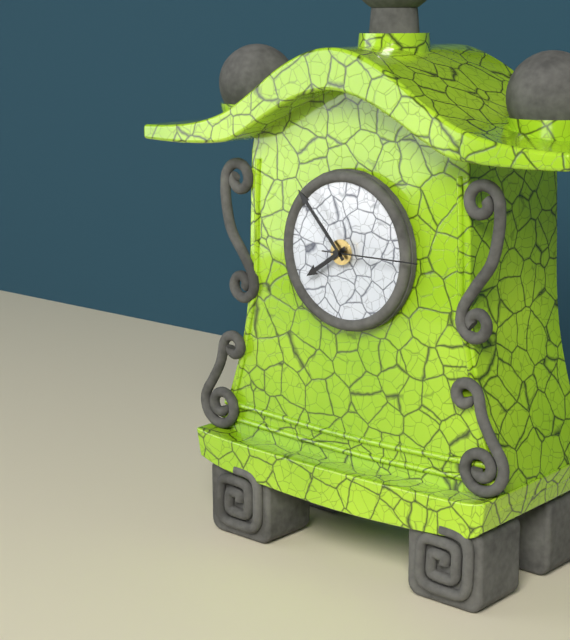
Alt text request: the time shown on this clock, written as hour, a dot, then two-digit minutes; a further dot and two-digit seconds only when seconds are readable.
7.53.15
